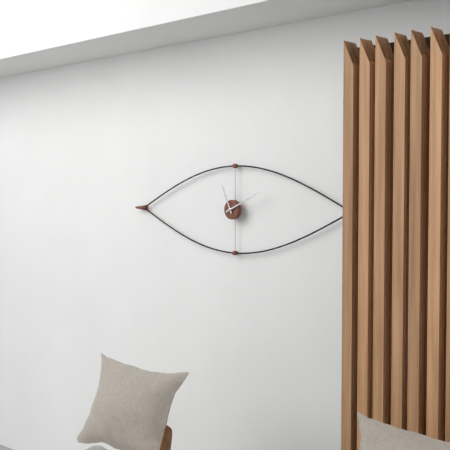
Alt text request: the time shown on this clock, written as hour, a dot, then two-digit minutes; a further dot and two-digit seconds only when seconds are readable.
11.11
